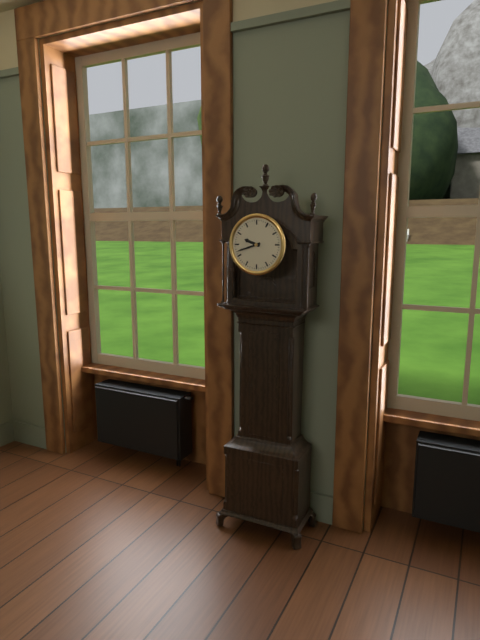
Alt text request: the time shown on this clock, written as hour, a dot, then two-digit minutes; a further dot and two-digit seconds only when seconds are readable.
9.42
